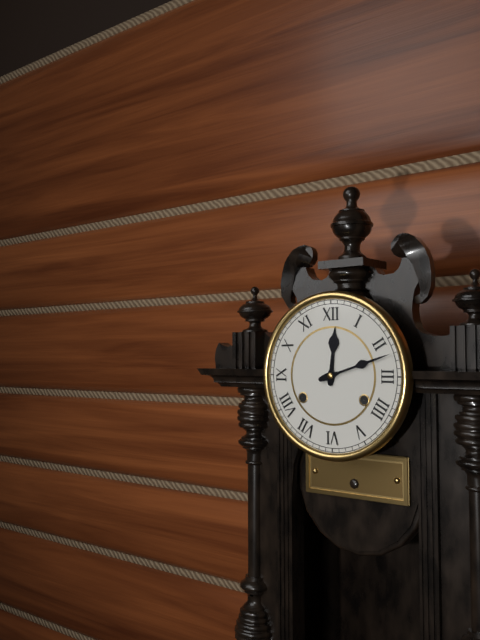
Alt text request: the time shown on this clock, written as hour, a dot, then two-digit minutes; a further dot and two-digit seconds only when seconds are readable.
12.12
